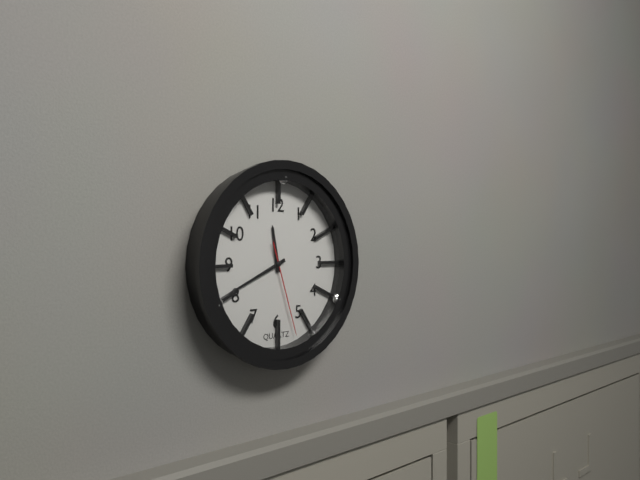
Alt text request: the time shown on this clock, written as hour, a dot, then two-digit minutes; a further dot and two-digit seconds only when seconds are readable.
11.41.27
